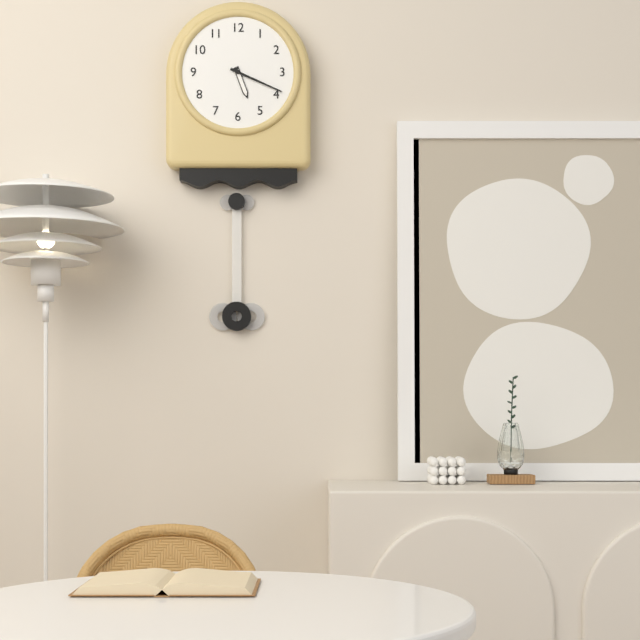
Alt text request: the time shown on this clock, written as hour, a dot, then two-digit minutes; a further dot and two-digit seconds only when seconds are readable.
5.19
